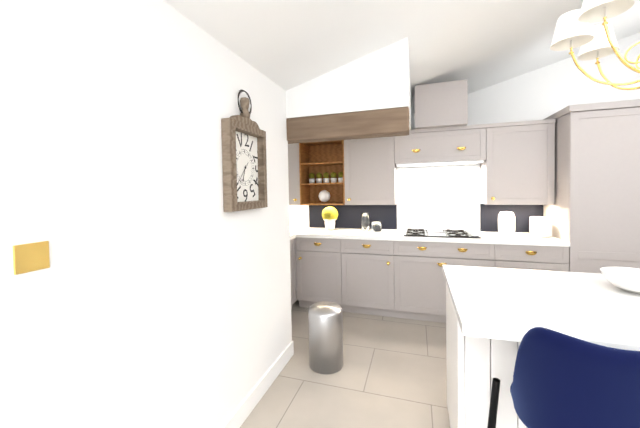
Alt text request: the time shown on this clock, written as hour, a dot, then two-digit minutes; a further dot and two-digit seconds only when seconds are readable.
6.37
